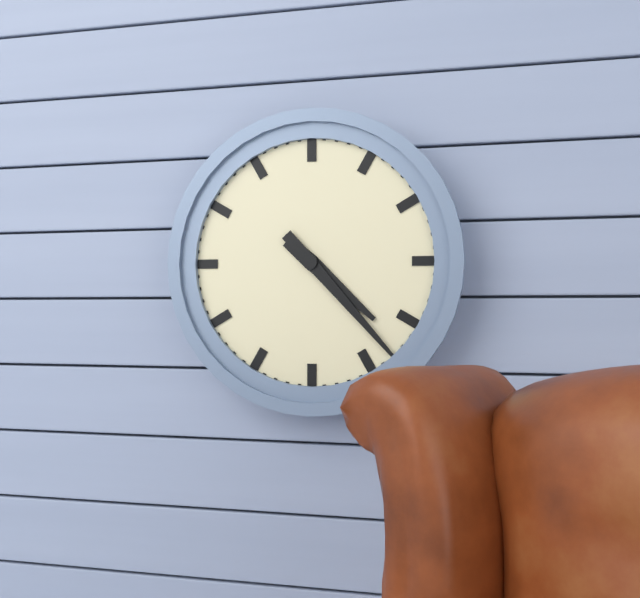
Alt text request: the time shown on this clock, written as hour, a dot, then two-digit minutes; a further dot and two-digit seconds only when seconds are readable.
4.23
